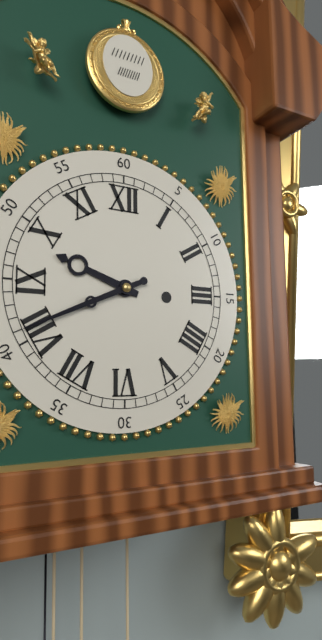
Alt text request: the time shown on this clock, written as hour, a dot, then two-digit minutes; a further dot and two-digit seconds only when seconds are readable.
9.41
